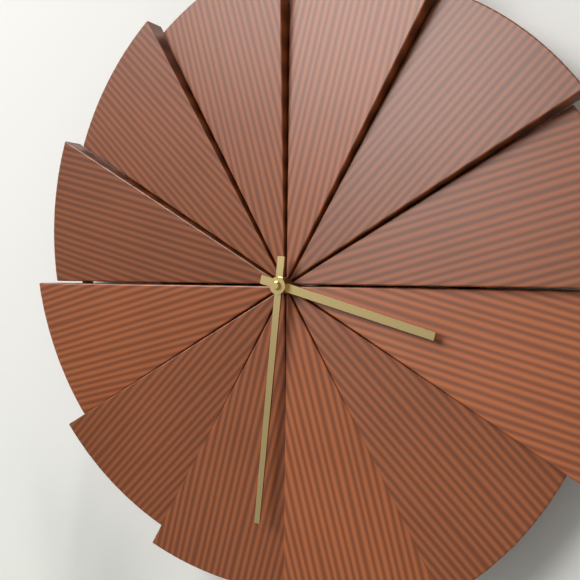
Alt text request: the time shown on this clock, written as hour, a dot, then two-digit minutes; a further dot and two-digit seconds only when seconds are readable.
3.31
